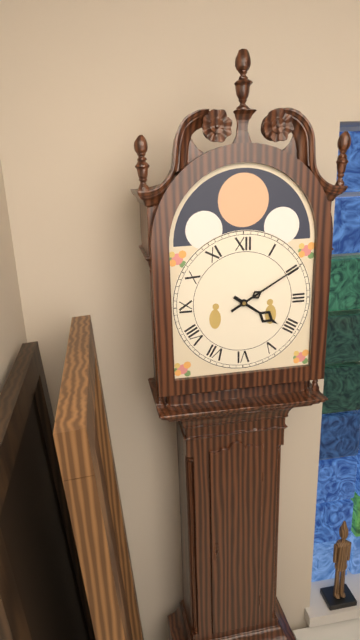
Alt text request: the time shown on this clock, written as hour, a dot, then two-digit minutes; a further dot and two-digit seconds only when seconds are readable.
4.10
